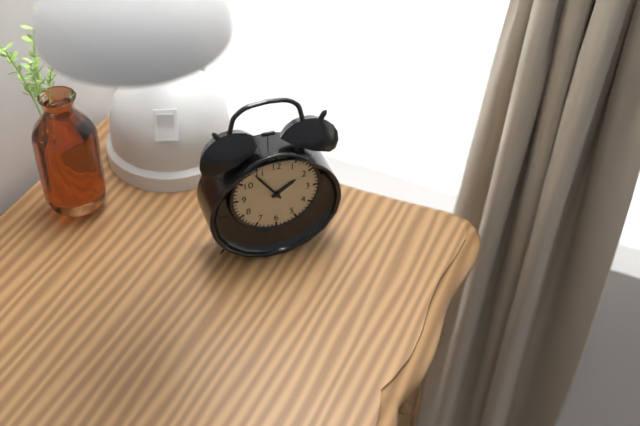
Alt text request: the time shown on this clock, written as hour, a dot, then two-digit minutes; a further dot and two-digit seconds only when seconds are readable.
1.54
